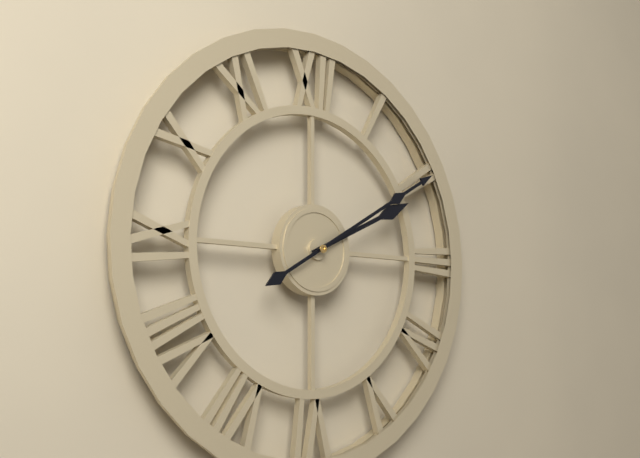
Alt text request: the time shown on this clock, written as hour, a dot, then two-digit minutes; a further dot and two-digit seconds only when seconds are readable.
2.10
